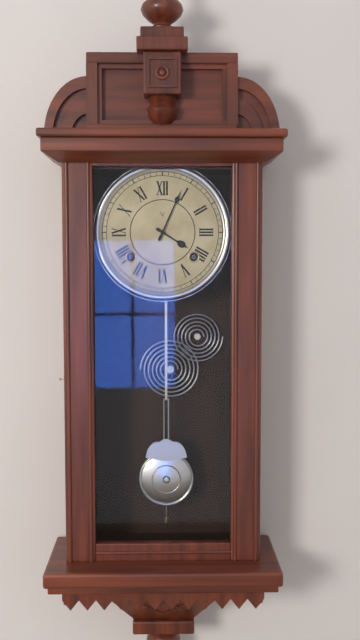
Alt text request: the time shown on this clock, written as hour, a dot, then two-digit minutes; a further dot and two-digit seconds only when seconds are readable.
4.04
